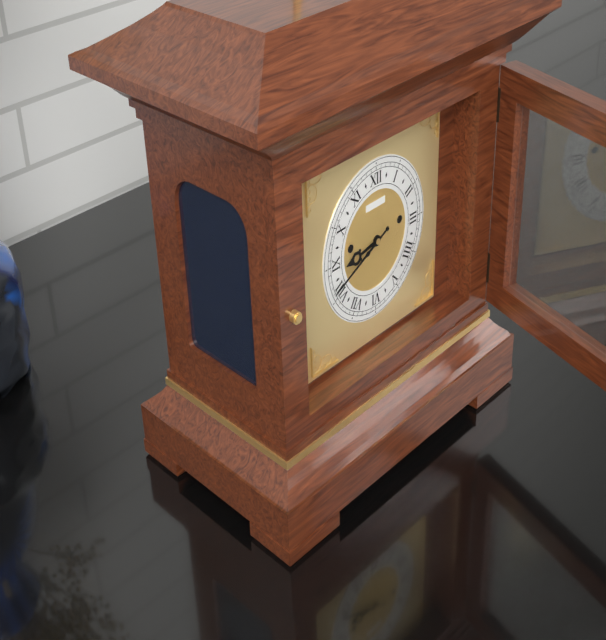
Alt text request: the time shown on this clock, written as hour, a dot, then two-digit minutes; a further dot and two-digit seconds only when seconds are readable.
8.41
